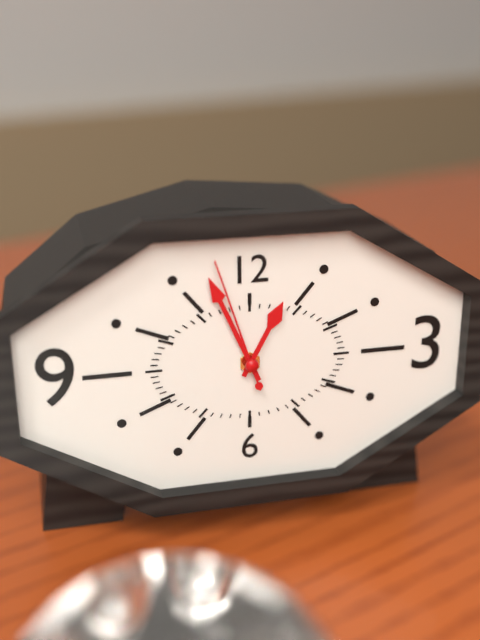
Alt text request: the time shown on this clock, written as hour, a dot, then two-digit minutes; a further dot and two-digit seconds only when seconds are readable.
12.56.57
